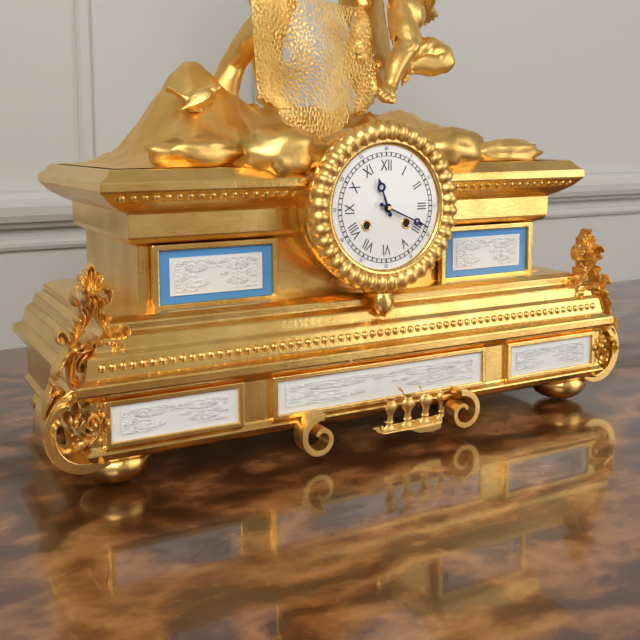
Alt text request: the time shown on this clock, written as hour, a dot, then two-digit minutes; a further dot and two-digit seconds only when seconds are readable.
11.19
